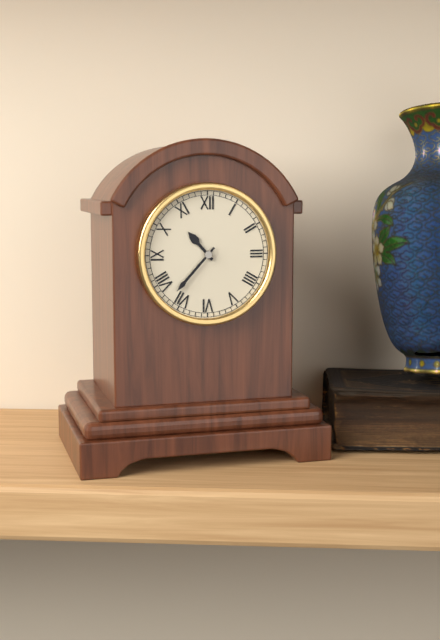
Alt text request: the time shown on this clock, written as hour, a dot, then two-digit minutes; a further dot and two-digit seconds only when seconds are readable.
10.37
